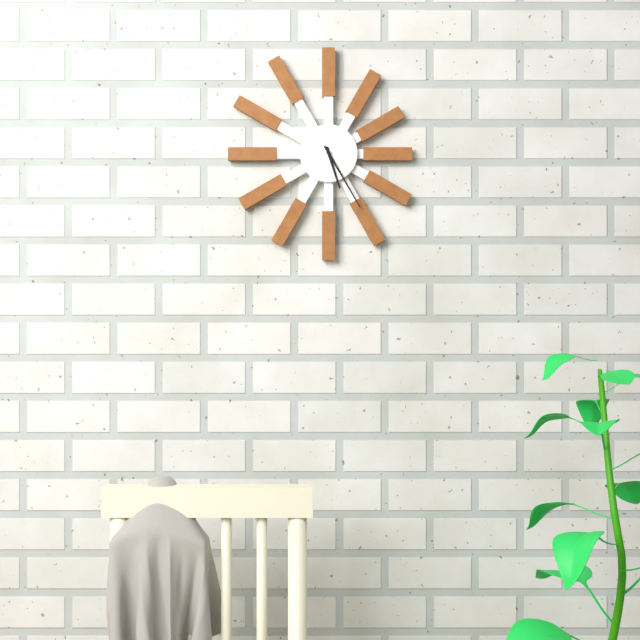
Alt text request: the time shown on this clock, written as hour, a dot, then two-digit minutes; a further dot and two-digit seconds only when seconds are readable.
5.25
